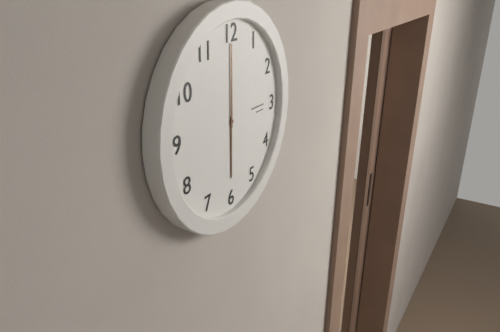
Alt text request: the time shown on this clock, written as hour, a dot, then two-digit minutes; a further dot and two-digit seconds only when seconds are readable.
6.00
